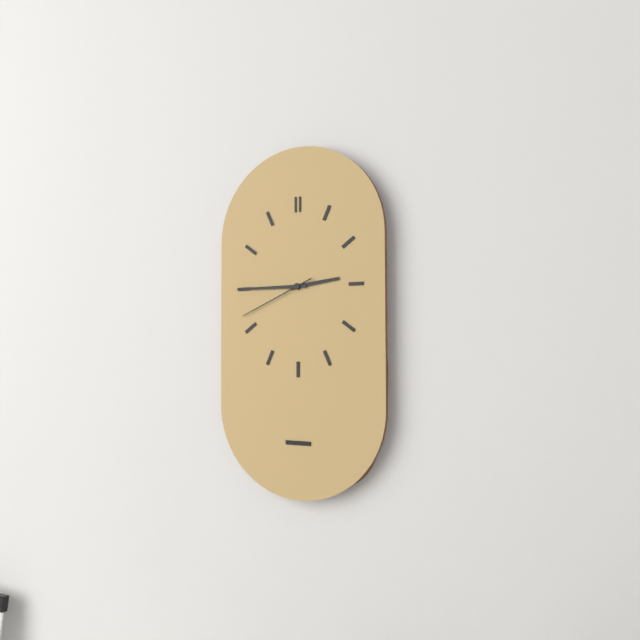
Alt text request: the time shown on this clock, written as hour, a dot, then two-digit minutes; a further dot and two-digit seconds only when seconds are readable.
2.45.41
